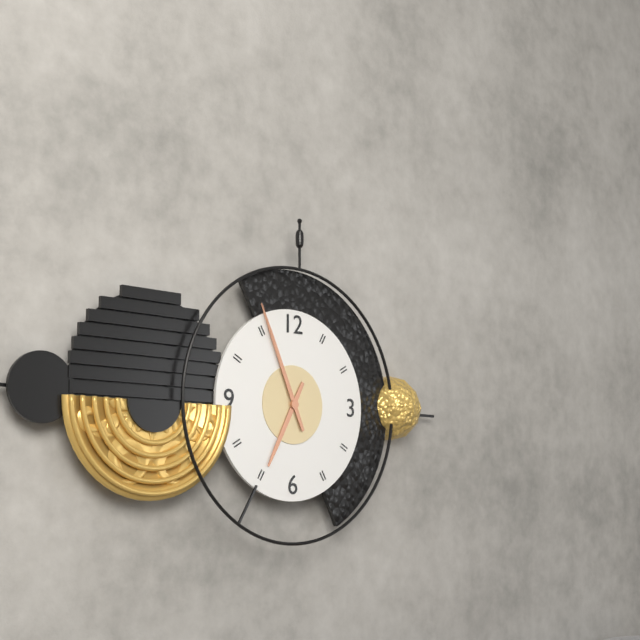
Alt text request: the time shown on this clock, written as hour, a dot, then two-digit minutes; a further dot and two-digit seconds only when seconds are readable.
6.56
